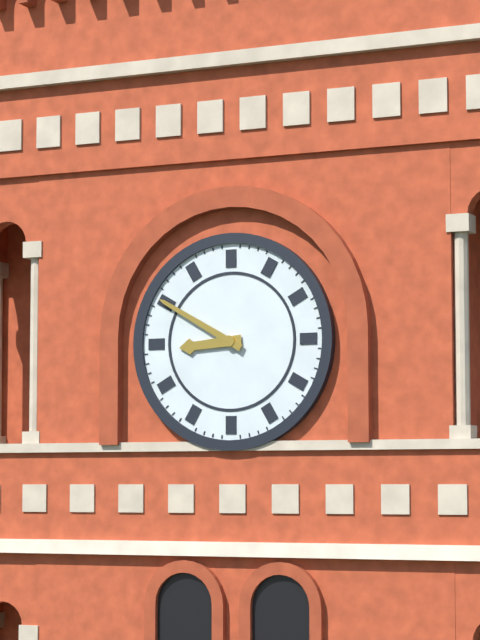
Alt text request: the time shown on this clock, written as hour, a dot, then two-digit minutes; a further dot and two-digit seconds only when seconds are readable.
8.50
